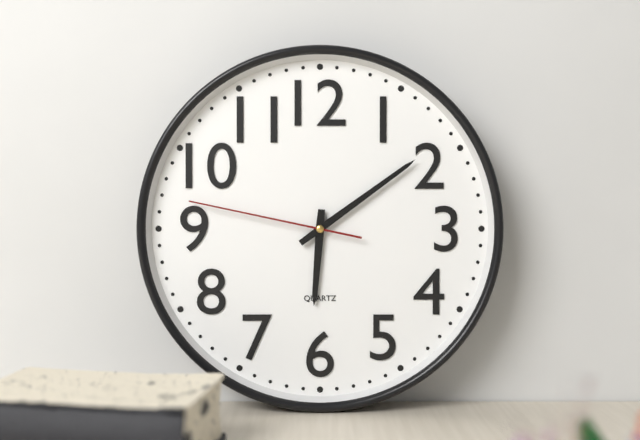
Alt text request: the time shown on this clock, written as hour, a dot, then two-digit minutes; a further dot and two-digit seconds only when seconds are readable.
6.09.47
